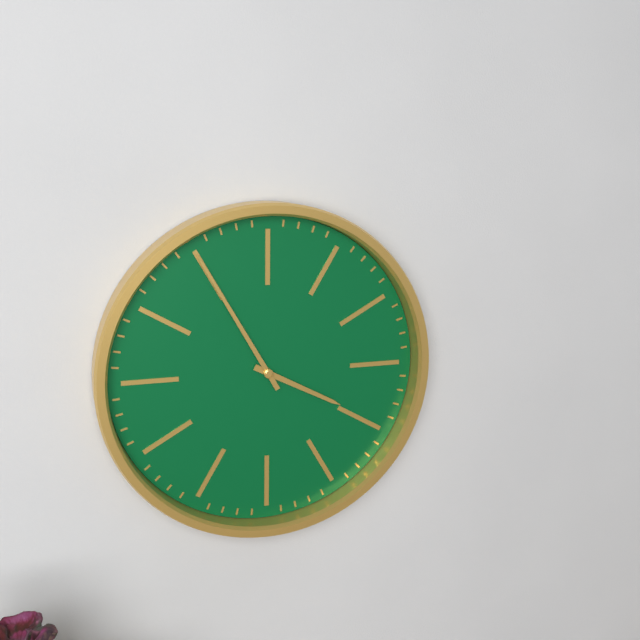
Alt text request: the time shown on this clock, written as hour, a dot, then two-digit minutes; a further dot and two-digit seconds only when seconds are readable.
3.55
